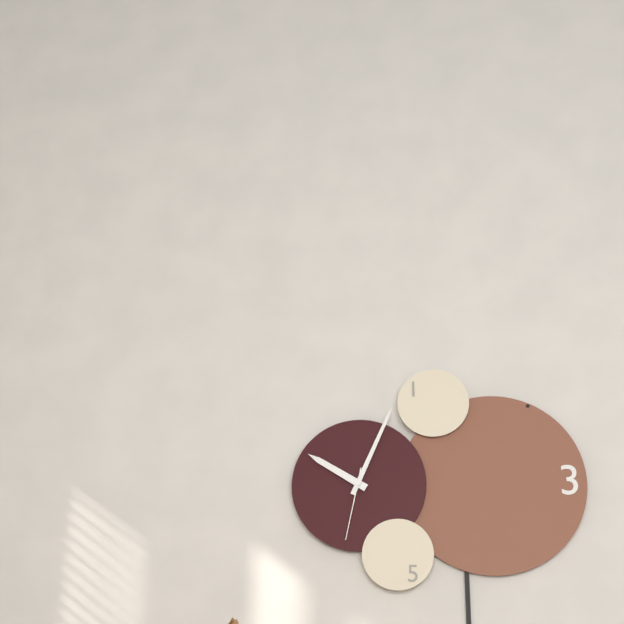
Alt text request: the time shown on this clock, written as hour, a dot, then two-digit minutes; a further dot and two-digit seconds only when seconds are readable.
10.04.32
